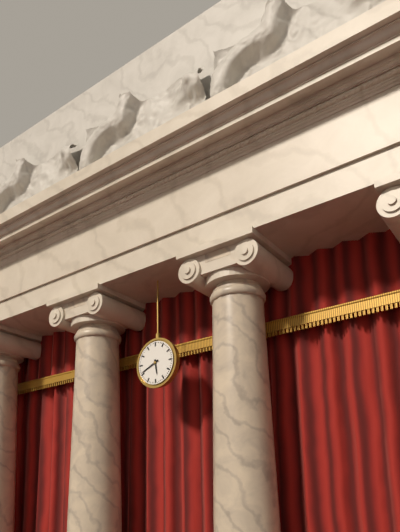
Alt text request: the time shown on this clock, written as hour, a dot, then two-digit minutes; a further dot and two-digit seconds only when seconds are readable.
5.41
